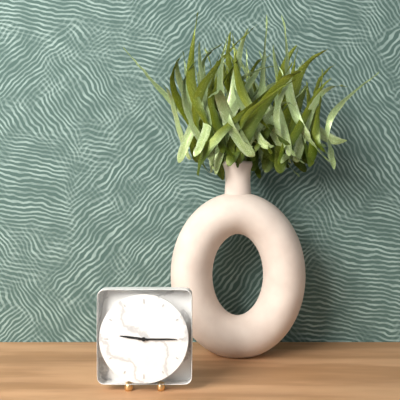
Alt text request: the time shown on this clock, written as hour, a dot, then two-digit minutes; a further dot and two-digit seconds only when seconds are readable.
9.15
